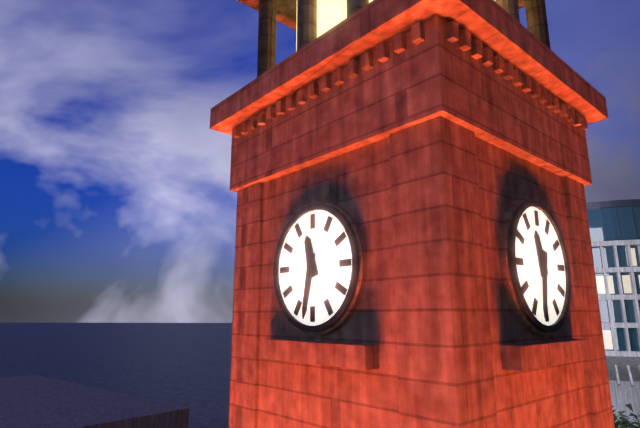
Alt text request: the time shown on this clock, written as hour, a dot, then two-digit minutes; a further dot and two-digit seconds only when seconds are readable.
11.32
